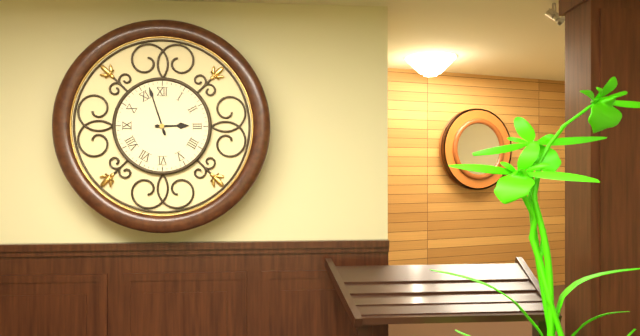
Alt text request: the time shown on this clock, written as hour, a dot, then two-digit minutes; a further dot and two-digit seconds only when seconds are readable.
2.57
